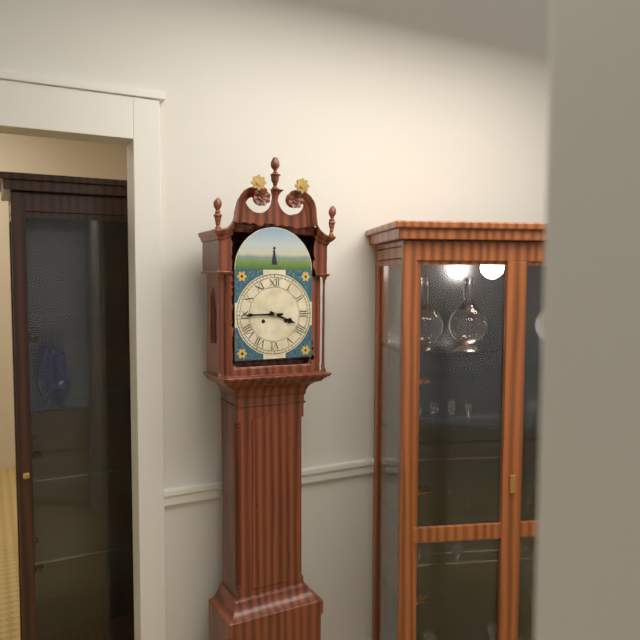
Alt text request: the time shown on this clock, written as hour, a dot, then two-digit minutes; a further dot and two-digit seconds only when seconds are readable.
3.45
